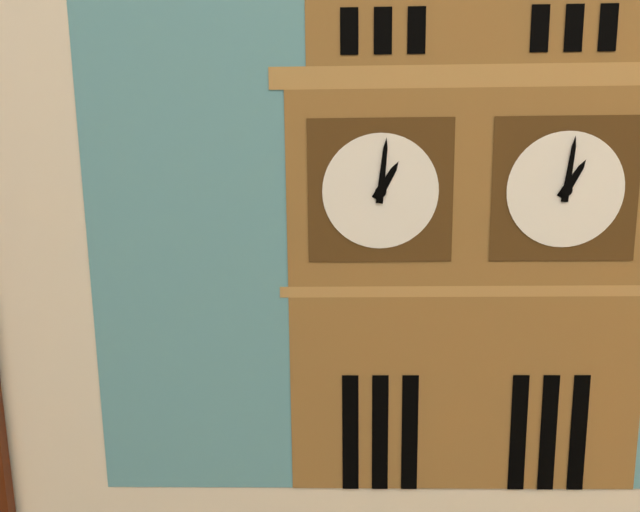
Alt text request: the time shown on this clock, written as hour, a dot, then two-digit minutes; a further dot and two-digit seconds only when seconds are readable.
1.01
